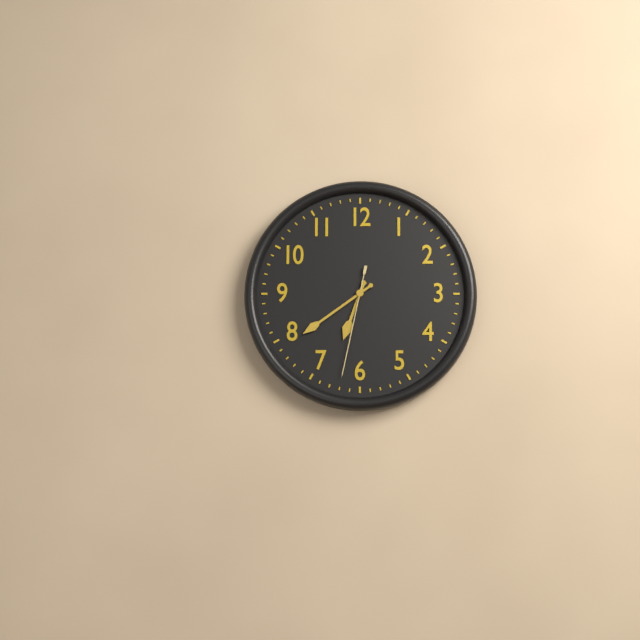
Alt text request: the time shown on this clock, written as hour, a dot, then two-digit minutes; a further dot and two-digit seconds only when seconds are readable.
6.39.32
